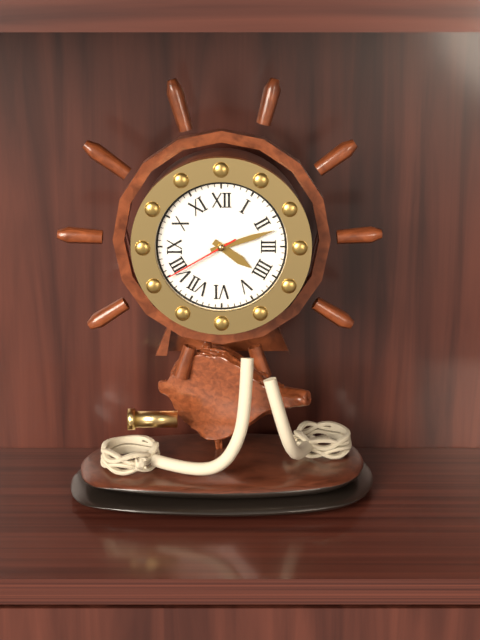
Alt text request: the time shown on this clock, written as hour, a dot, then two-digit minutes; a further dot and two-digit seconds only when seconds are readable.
4.12.40
